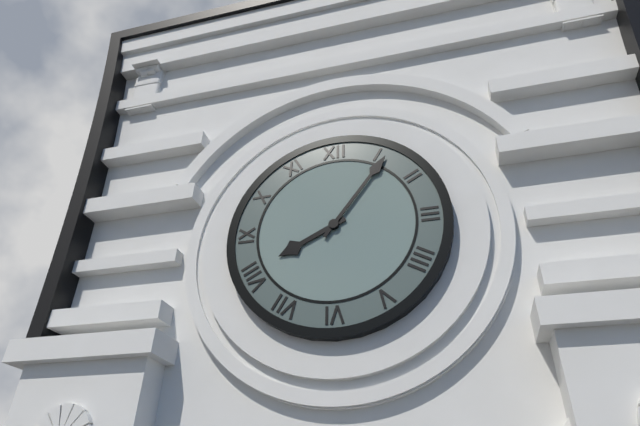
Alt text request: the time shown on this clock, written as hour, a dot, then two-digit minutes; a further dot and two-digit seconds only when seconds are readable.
8.06
